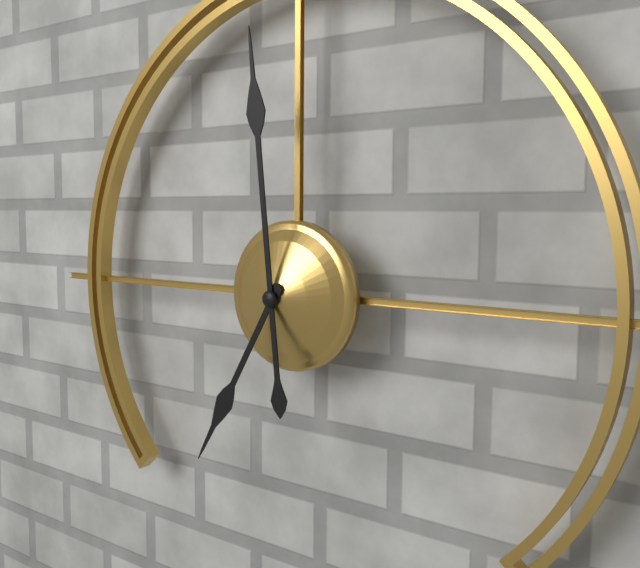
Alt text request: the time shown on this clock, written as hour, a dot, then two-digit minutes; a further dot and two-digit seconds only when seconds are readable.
6.59
